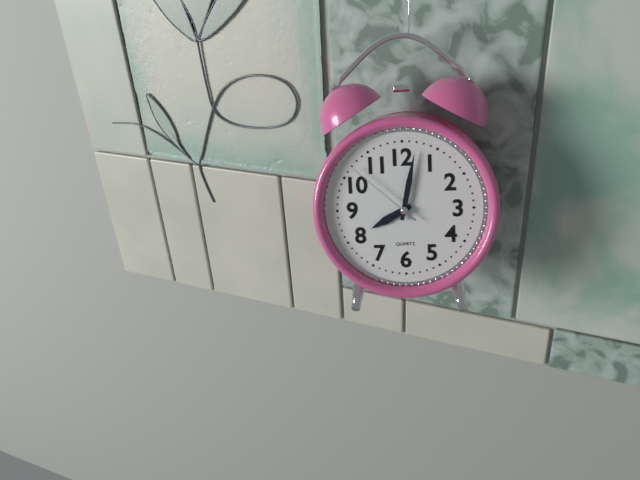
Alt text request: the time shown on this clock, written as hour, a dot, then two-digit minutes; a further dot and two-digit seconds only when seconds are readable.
8.02.52
